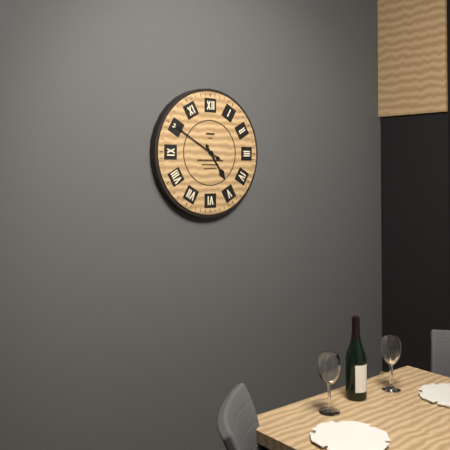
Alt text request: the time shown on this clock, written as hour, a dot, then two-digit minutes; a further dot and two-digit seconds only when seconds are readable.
4.50
